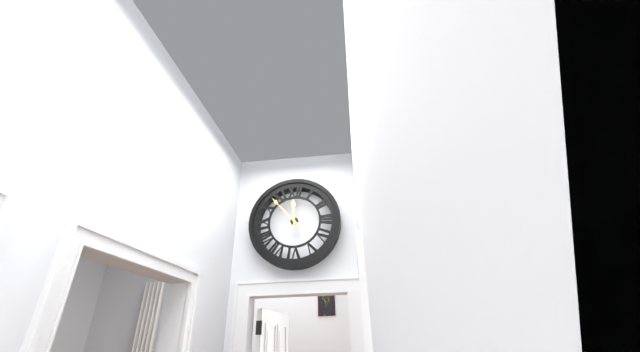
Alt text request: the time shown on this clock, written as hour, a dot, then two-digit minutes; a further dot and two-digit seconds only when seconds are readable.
11.53
